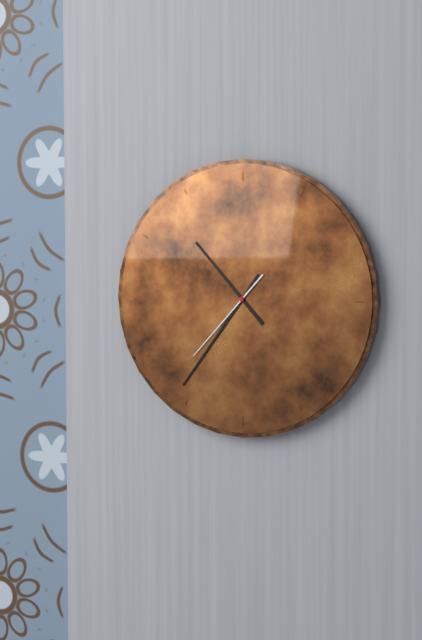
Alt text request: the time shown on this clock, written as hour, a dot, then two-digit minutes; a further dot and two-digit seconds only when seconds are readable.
10.36.37
